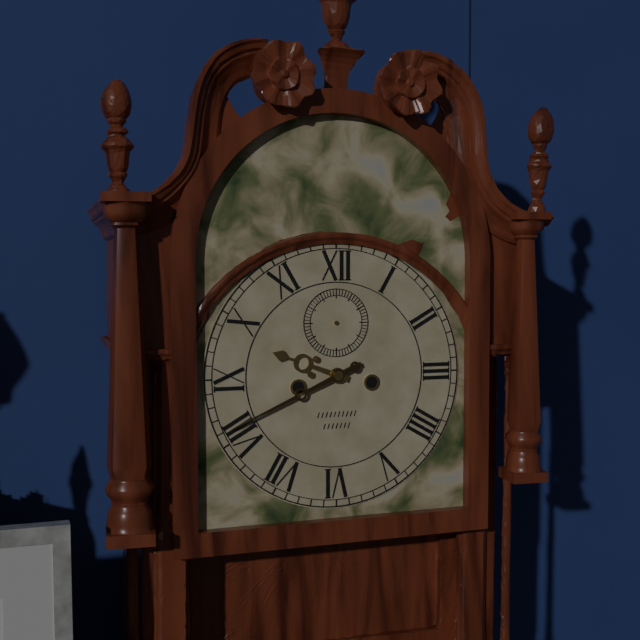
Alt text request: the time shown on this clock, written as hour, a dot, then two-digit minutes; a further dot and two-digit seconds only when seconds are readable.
9.41
